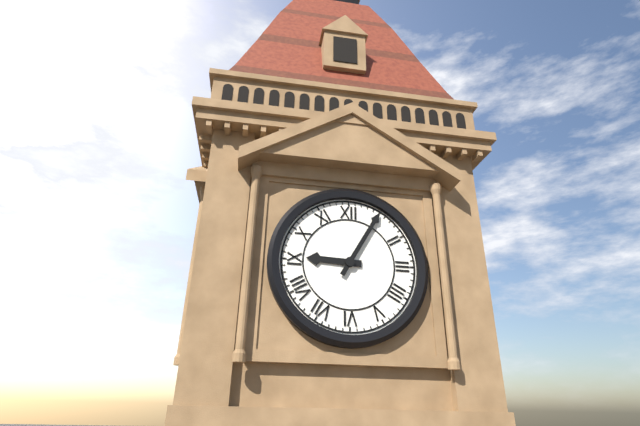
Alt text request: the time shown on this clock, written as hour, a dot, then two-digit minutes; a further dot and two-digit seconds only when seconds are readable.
9.05
